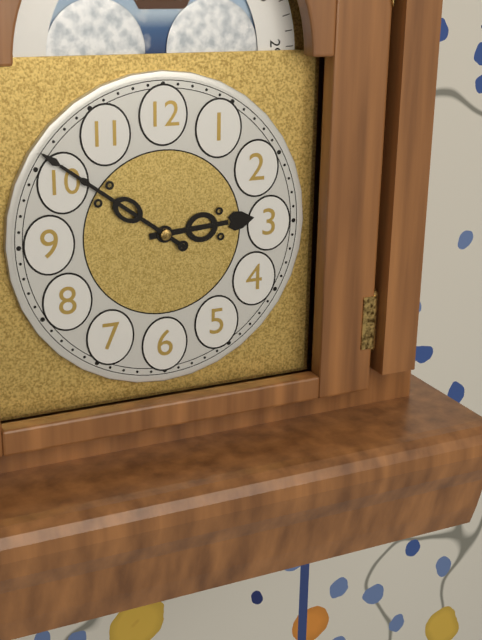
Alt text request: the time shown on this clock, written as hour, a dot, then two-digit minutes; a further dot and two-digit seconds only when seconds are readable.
2.51
